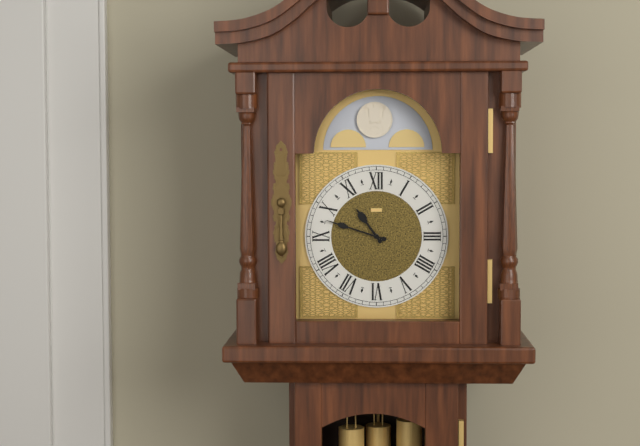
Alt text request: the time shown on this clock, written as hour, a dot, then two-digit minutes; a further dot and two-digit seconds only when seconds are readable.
10.48
